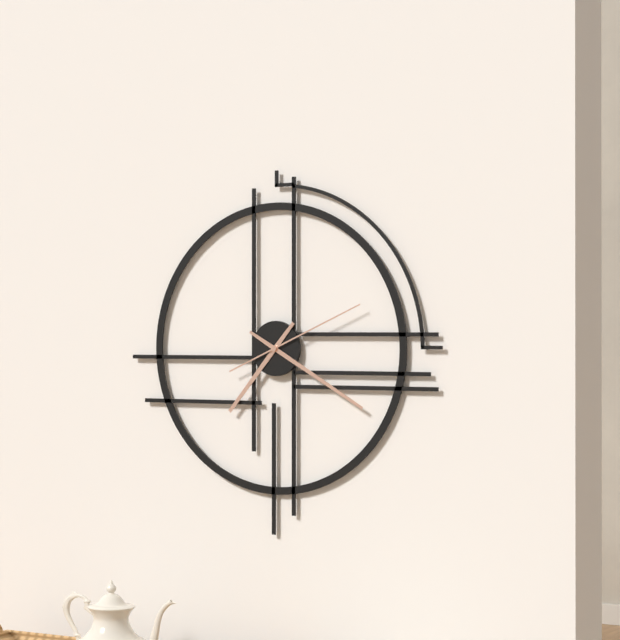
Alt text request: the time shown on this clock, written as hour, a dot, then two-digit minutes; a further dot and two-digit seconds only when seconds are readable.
7.20.11
